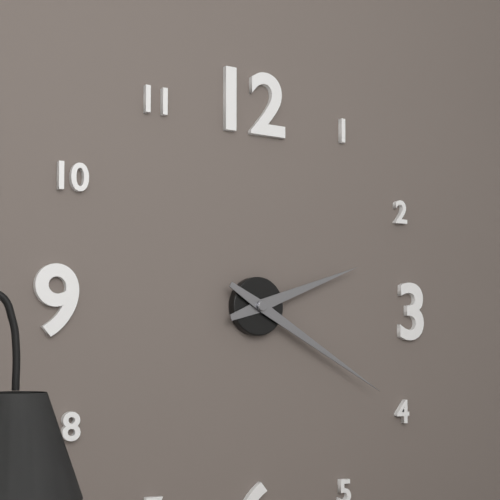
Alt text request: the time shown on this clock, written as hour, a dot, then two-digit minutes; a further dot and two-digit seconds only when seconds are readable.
2.20
